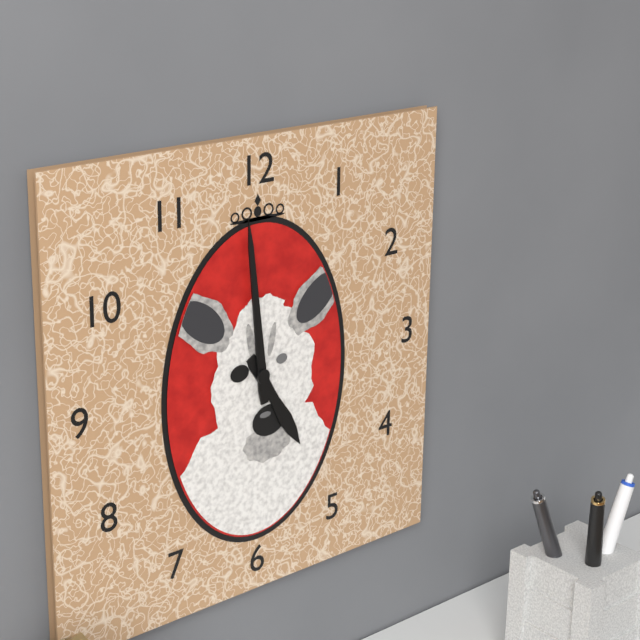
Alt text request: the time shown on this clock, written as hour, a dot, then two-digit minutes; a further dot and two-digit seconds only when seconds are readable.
4.59
